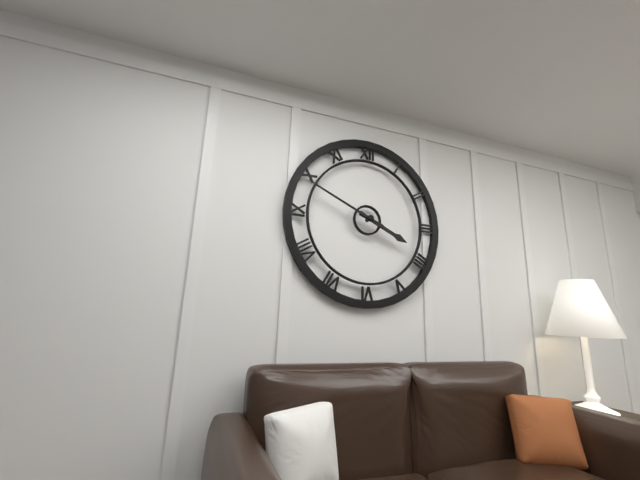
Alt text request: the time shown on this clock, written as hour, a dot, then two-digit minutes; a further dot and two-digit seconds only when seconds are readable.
3.49
